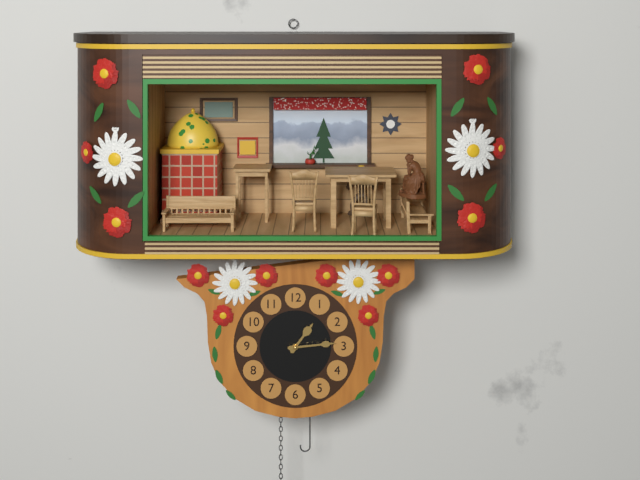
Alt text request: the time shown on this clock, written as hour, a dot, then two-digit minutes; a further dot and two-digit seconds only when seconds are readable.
1.14
